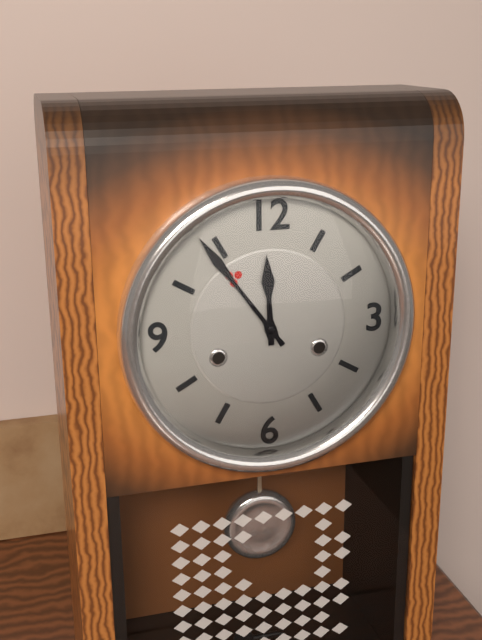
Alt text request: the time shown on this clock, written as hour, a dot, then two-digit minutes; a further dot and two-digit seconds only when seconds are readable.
11.54
